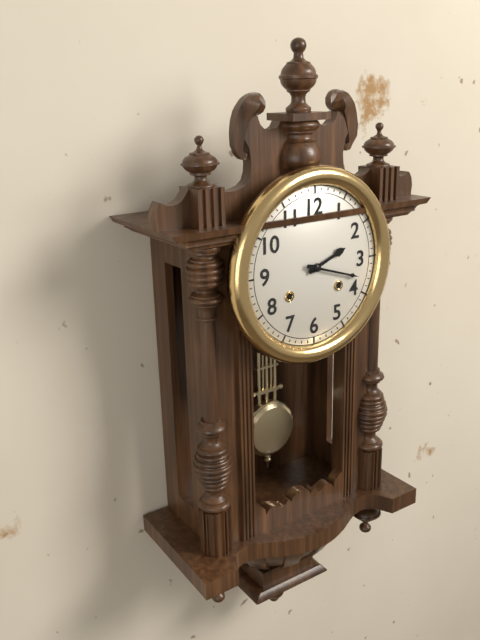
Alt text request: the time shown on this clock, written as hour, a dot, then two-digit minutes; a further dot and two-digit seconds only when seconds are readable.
2.18
